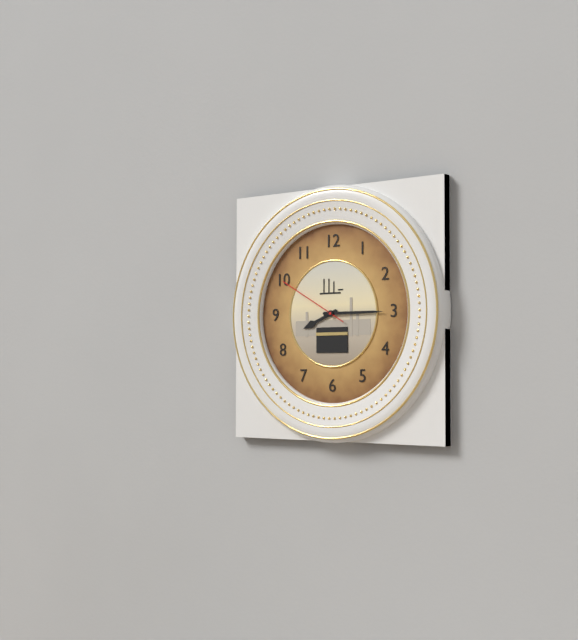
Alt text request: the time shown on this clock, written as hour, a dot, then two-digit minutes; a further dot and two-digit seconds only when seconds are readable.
8.15.50
